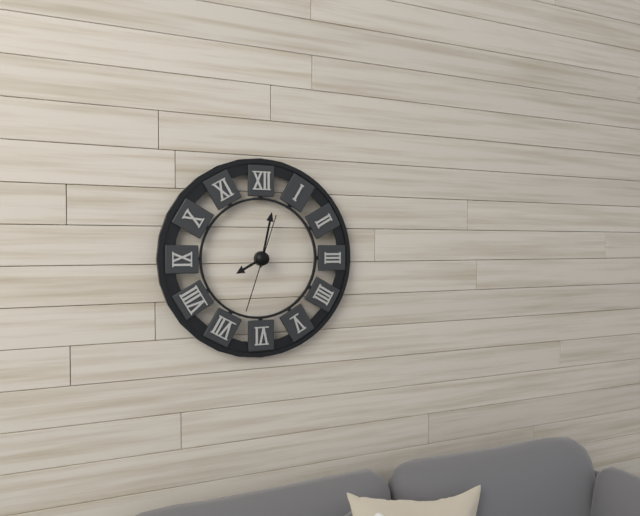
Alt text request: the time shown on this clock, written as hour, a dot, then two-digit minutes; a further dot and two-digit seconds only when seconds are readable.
8.02.33
